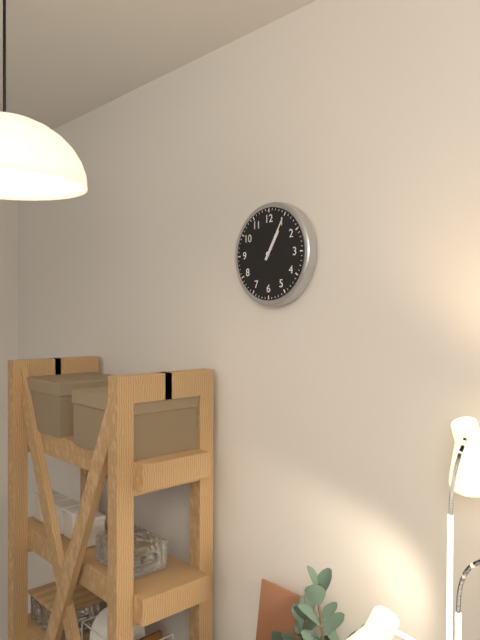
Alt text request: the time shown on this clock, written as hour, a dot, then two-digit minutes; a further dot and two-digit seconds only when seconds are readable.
1.05
